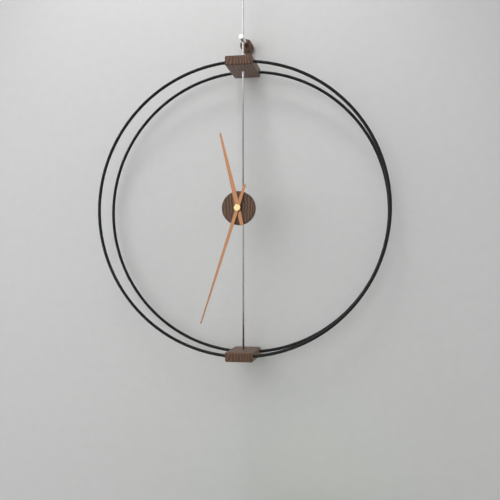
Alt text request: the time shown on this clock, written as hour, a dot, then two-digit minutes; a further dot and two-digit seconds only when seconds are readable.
11.33
